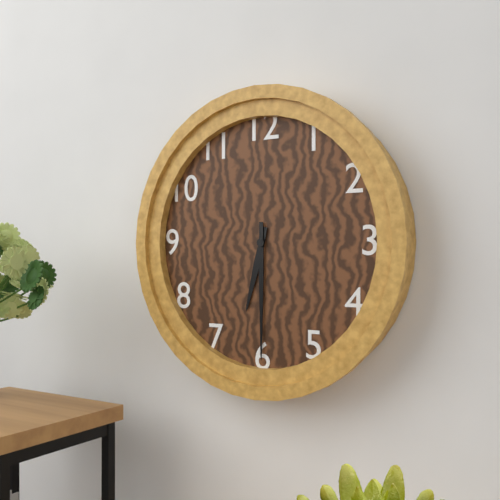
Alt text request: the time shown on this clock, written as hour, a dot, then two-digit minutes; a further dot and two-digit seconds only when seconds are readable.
6.30
